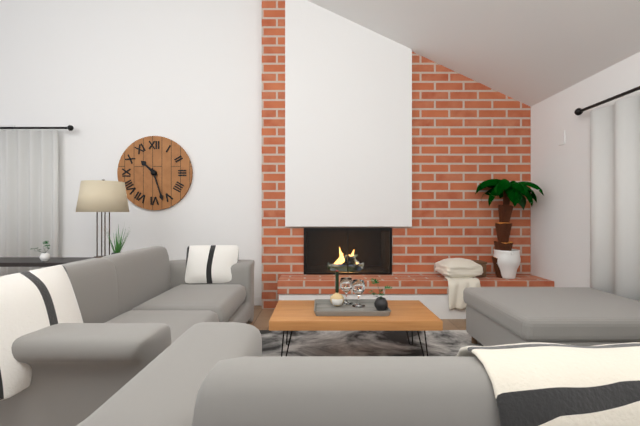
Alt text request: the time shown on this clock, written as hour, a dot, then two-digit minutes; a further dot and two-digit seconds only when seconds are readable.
10.27
